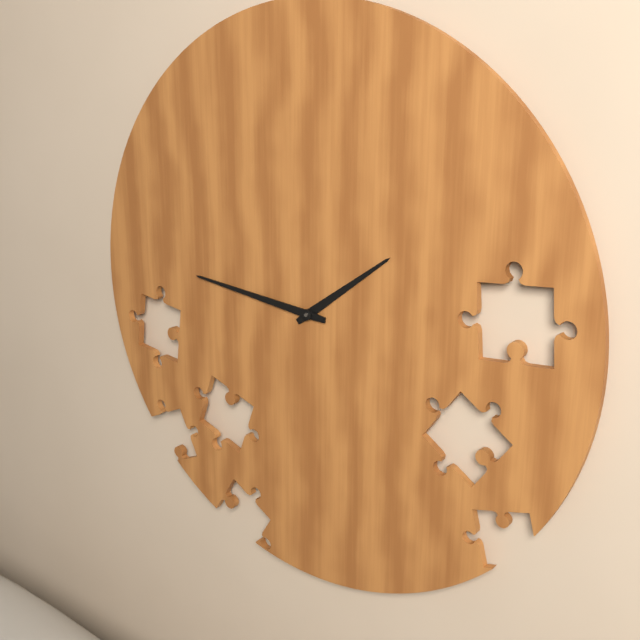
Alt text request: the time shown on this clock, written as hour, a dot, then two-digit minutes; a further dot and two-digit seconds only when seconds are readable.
1.46
